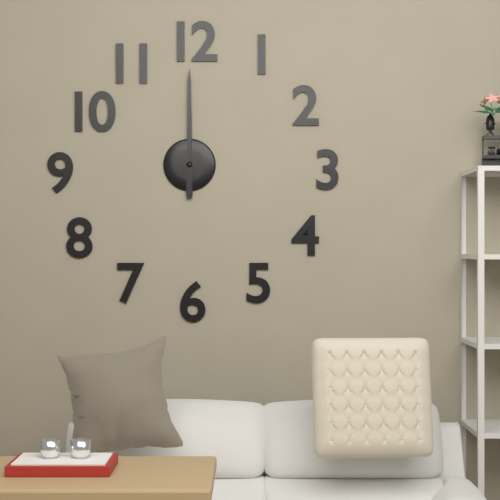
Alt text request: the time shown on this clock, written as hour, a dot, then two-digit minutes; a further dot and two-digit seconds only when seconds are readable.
12.00
